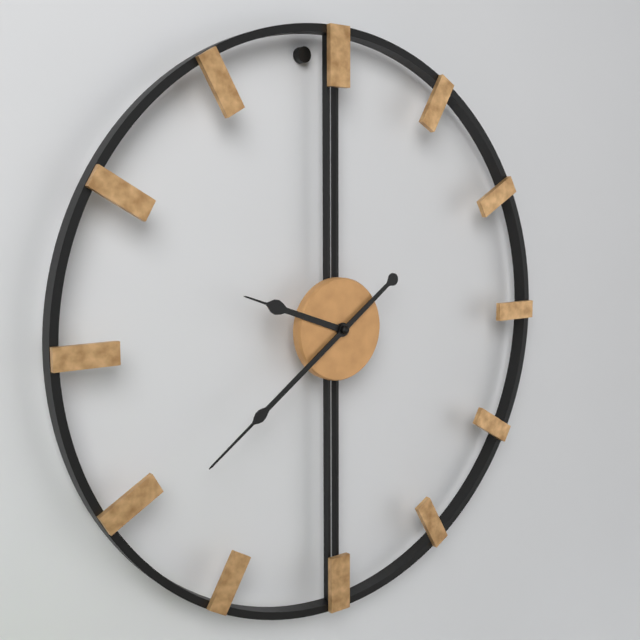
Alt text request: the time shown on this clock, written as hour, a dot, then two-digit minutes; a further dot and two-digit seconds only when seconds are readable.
9.39
